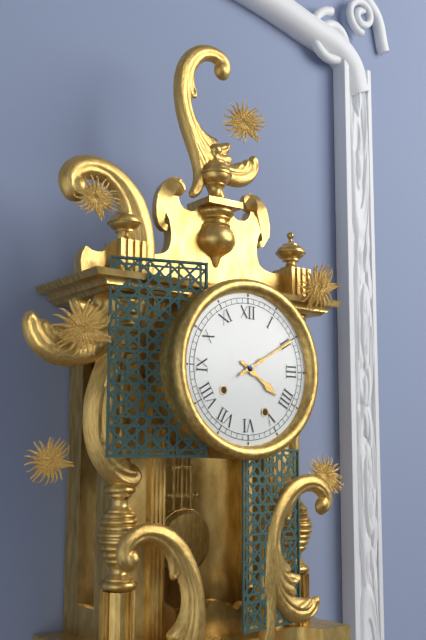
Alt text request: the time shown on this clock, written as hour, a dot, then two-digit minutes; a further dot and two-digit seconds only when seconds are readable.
4.10
